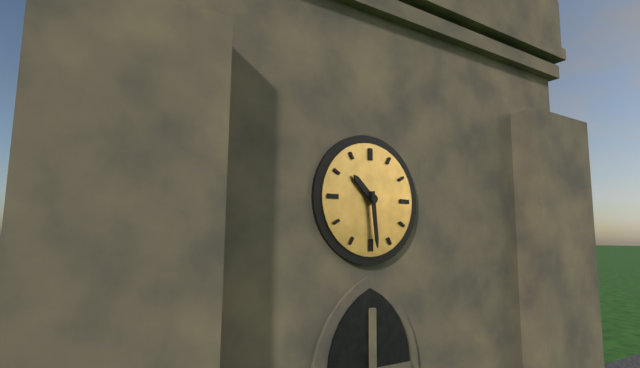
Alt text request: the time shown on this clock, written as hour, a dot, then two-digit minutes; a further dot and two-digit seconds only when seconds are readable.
10.29
